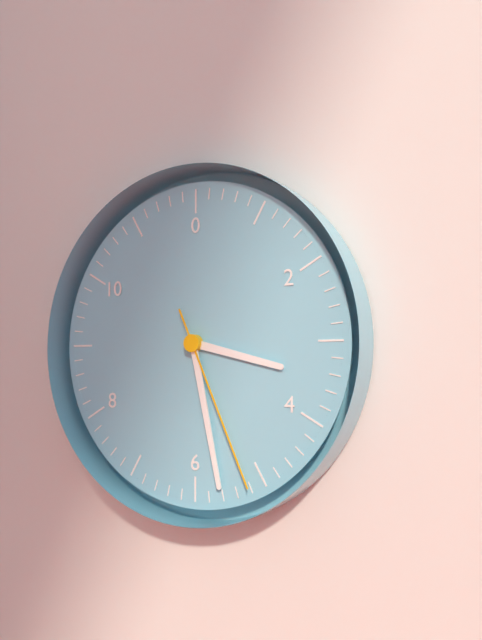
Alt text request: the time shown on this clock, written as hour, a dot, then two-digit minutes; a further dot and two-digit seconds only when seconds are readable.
3.28.26
